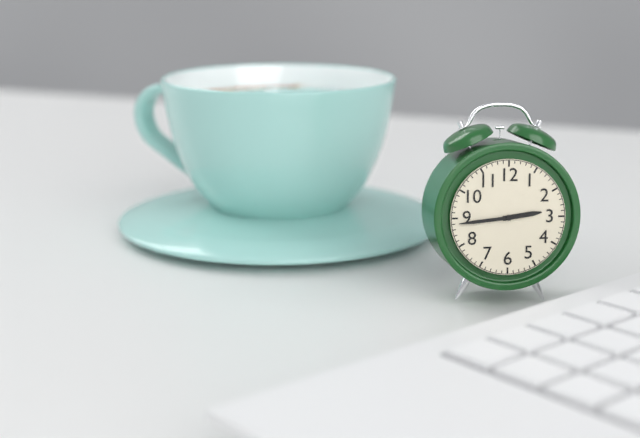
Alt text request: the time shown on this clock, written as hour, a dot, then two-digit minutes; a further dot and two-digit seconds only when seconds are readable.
2.44
